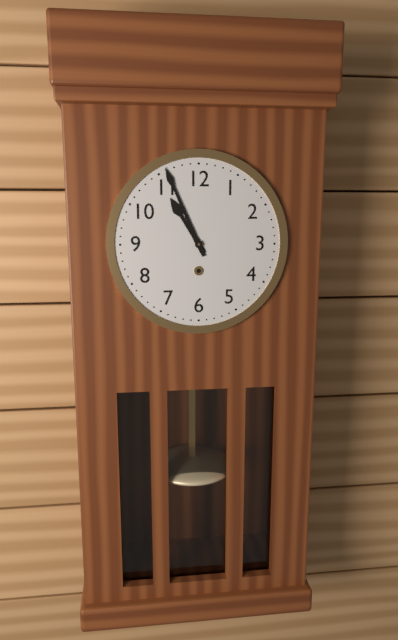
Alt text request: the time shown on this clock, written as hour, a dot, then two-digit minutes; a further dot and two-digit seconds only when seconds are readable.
10.56
